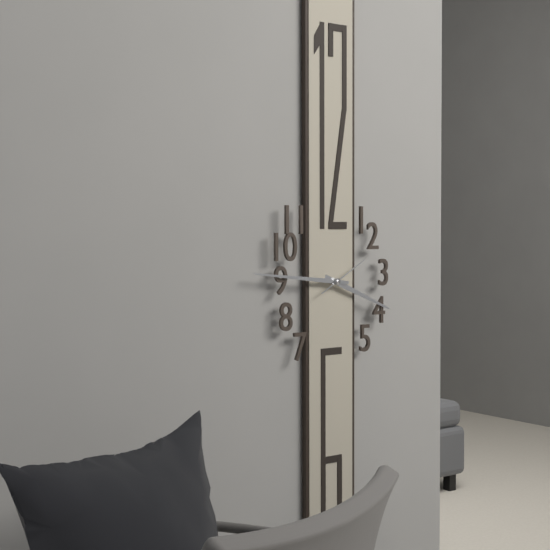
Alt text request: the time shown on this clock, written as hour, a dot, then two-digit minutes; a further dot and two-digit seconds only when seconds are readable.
3.46
